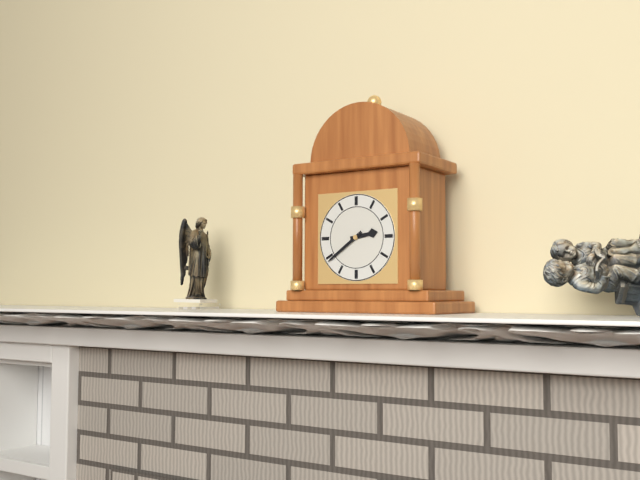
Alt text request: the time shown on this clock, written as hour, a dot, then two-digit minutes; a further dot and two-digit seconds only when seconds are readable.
2.39
